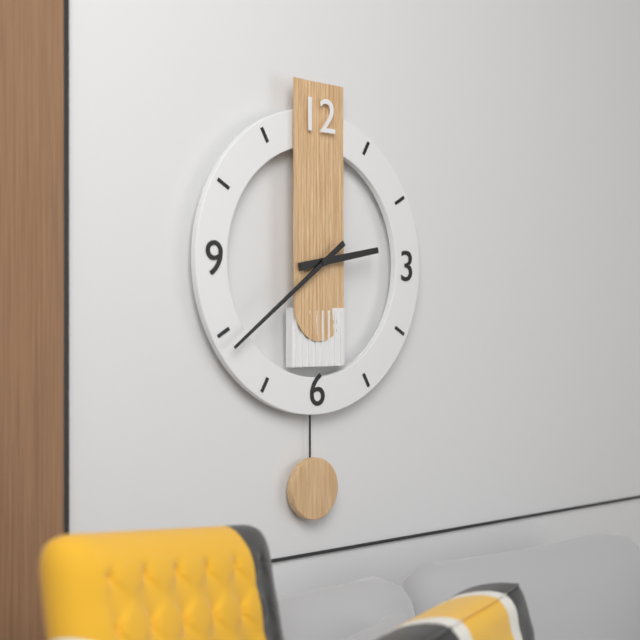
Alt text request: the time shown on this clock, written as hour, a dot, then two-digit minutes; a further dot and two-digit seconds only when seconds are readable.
2.39
